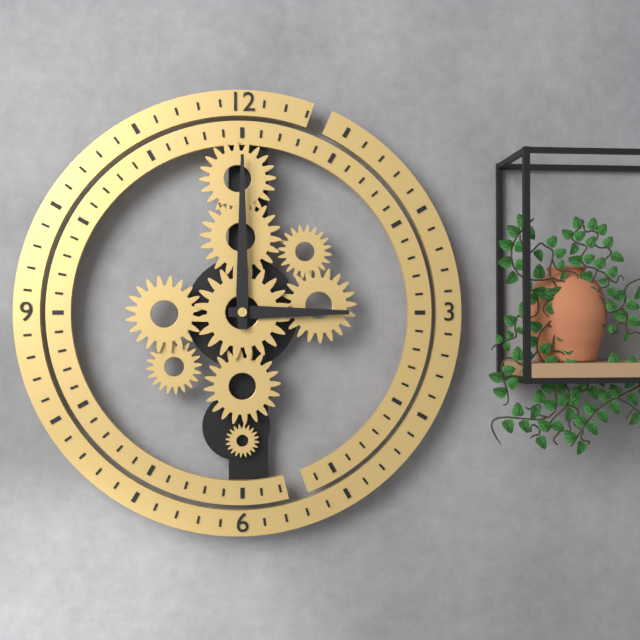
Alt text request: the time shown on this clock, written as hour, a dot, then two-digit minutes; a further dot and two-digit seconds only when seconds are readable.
3.00
